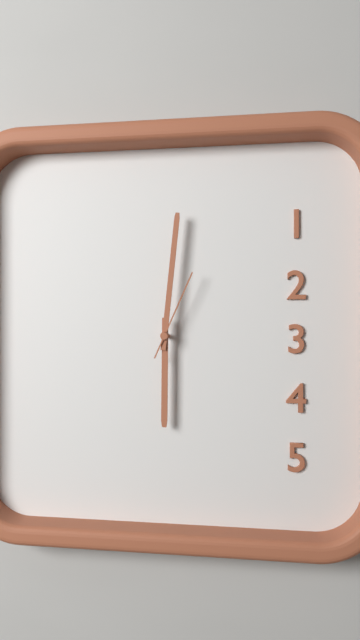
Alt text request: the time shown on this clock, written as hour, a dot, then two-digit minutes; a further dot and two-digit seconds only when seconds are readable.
6.01.04
